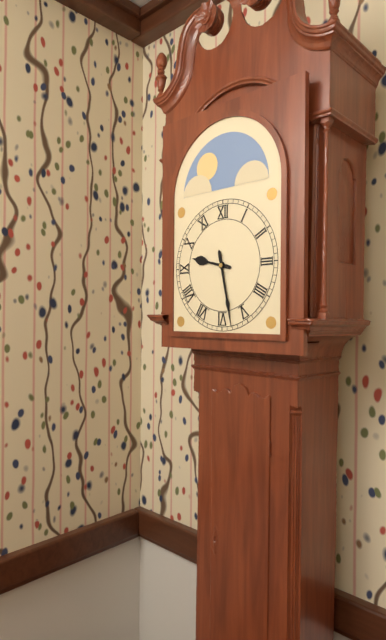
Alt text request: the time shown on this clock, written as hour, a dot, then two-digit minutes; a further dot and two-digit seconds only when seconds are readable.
9.28
